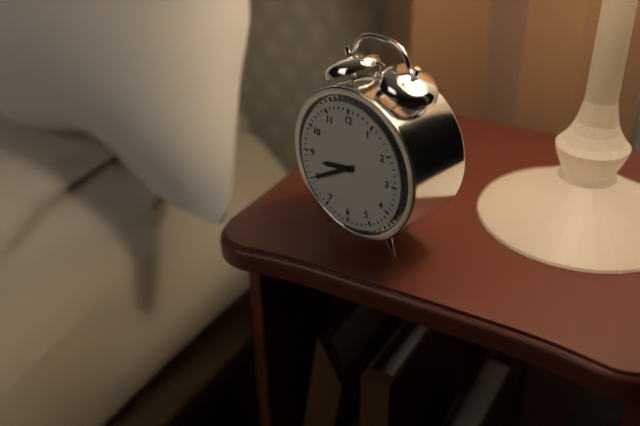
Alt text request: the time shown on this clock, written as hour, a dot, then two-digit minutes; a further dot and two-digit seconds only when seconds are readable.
8.40
